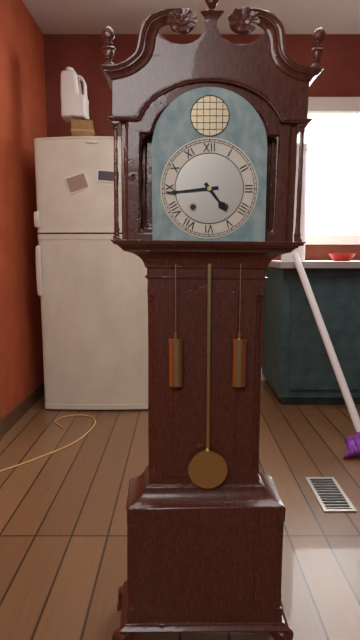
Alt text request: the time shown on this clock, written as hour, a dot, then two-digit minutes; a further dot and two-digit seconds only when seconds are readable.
4.44
